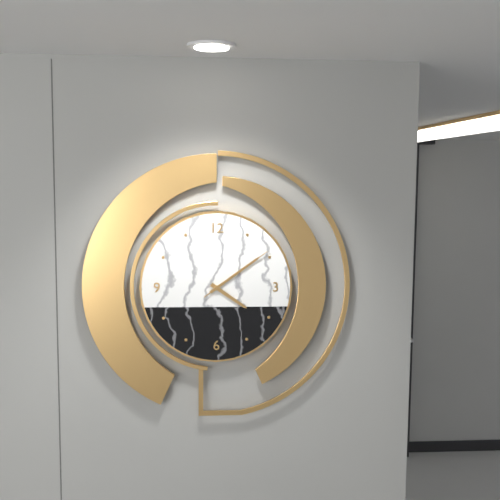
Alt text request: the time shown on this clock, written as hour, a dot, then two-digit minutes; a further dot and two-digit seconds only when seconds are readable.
4.09.09
